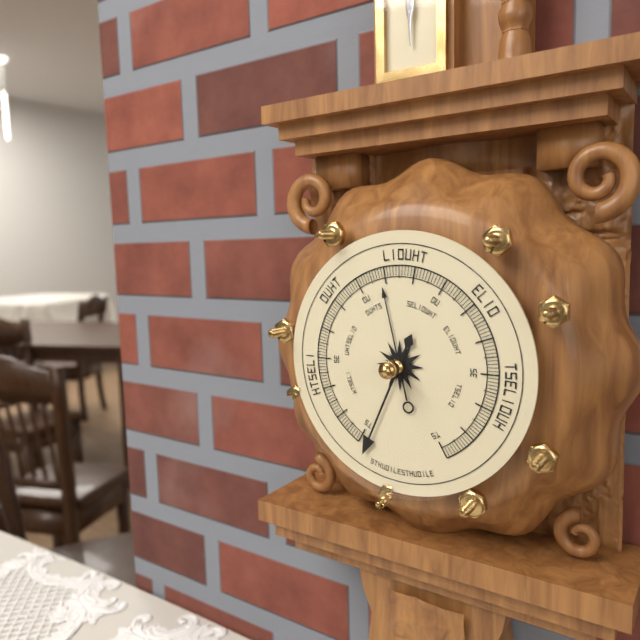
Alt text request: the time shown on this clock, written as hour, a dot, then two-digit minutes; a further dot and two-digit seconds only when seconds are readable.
11.34
